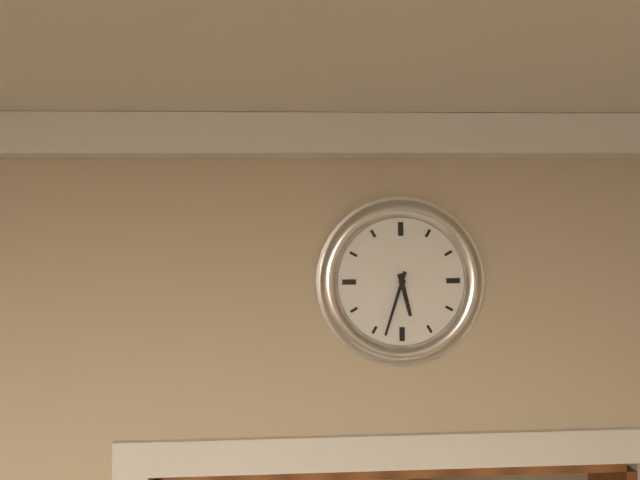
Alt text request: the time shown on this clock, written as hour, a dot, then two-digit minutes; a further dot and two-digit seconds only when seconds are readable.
5.33
